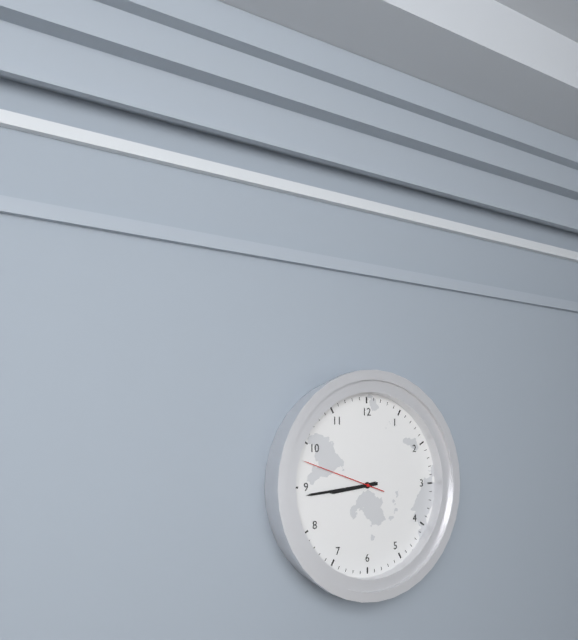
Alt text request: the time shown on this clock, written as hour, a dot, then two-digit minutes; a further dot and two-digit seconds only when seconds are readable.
8.44.48
